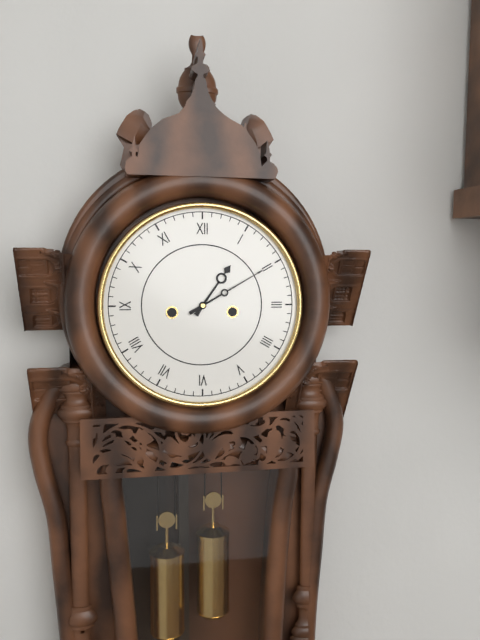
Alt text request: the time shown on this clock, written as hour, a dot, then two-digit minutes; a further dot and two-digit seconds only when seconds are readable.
1.10
